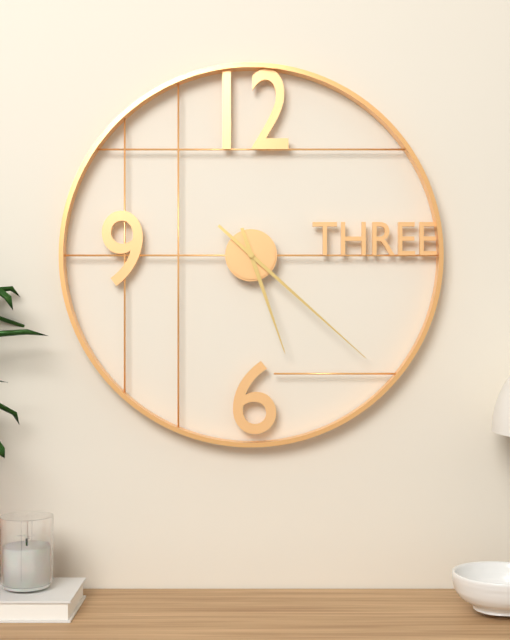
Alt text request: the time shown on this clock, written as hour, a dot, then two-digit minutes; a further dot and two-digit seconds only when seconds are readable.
5.22
